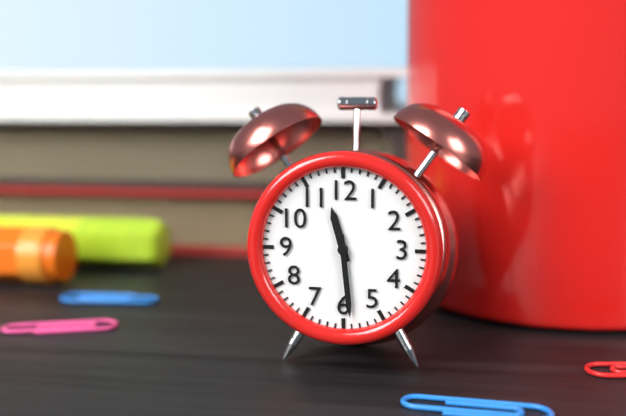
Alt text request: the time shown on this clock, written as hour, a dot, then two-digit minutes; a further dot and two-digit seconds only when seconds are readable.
11.29
